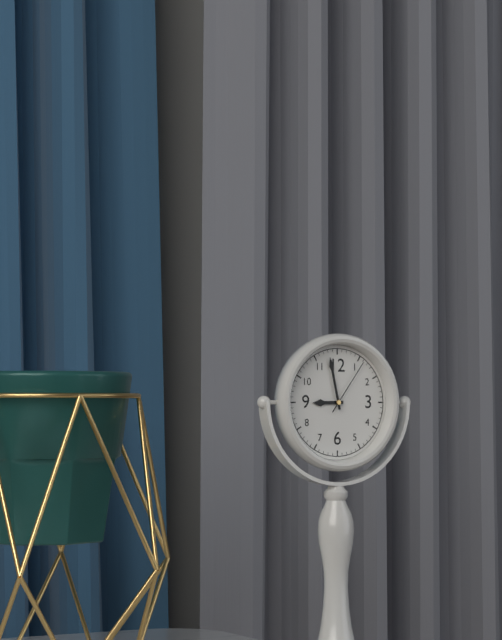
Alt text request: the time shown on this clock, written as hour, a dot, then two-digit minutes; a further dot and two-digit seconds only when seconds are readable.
8.58.06
